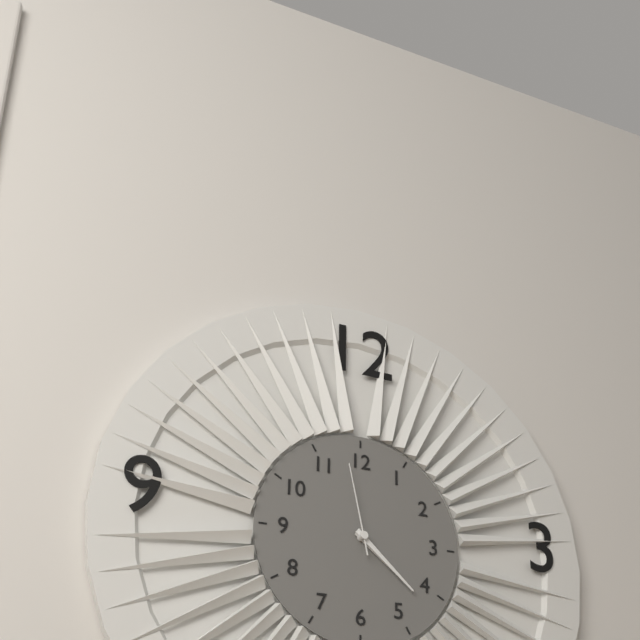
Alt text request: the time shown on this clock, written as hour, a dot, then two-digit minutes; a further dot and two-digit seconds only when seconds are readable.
4.22.58
